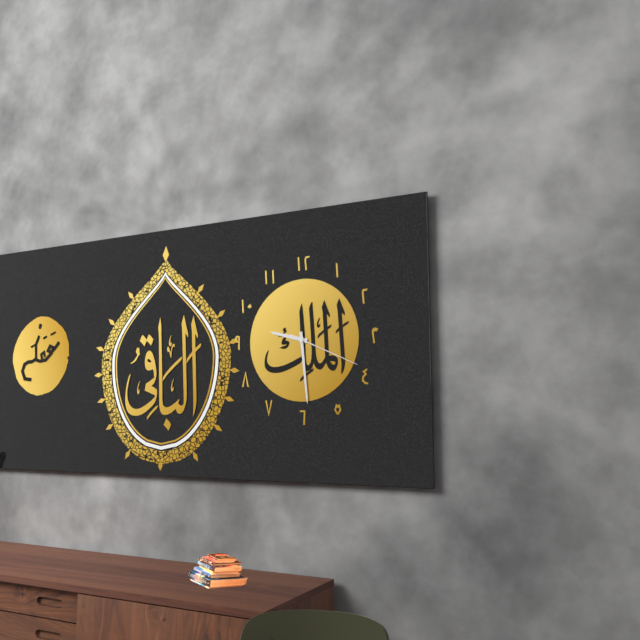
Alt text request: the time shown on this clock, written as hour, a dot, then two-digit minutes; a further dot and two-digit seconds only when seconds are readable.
9.29.19
